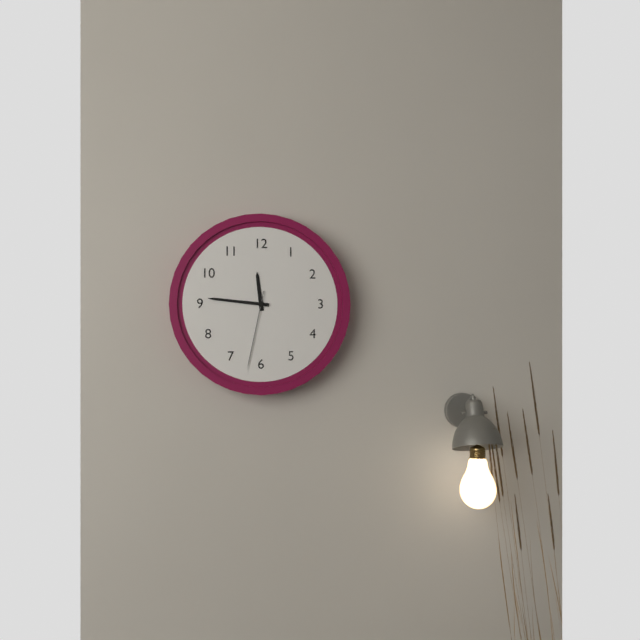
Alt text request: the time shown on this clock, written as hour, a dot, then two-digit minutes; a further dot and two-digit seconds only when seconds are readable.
11.46.32
